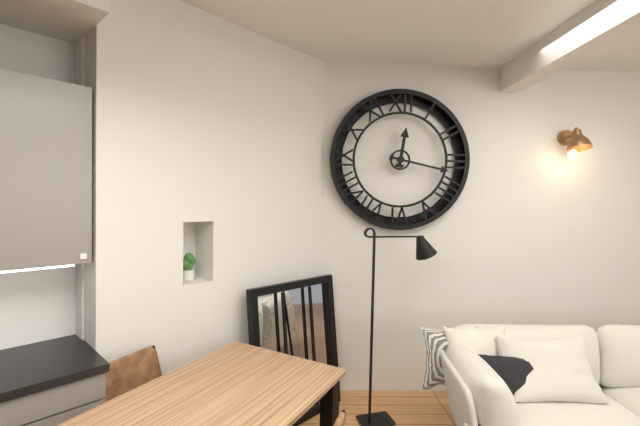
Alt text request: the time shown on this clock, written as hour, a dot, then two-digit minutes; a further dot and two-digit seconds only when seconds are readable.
12.17
